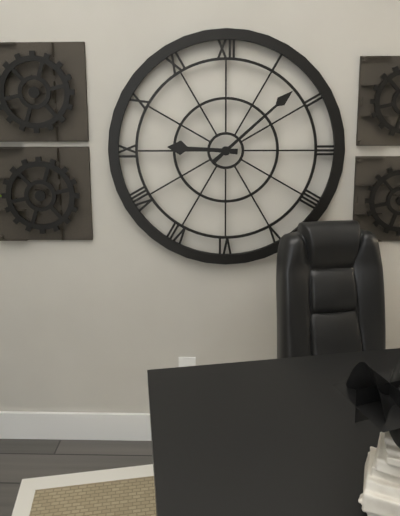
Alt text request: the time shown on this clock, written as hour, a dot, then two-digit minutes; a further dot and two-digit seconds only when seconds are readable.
9.08
